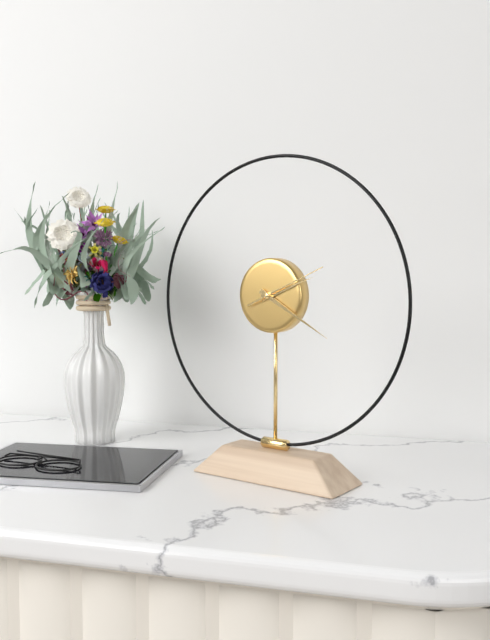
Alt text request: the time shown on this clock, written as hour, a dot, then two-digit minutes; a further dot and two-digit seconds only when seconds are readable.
2.20.11
